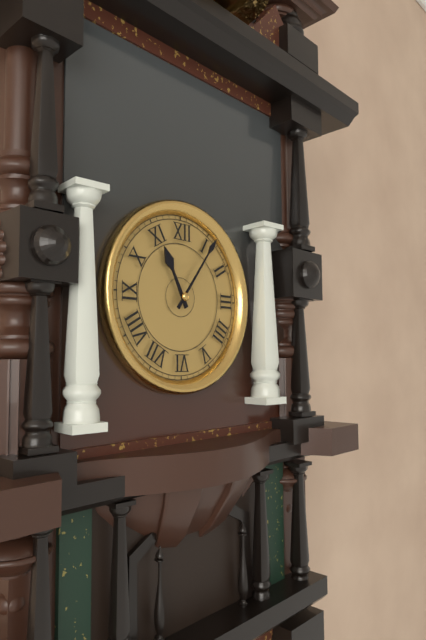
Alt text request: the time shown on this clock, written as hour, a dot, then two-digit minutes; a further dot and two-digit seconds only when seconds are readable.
11.06
